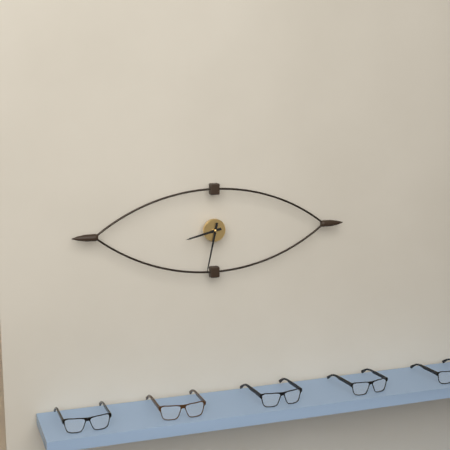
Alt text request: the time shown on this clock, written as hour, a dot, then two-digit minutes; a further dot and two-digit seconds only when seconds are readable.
8.32
